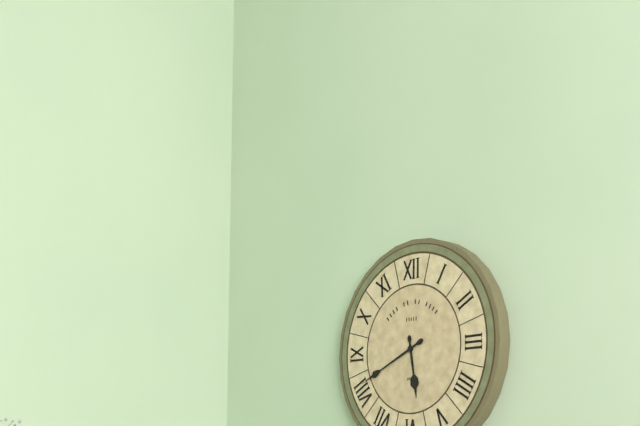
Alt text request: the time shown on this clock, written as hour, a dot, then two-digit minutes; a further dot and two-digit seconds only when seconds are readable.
5.41
